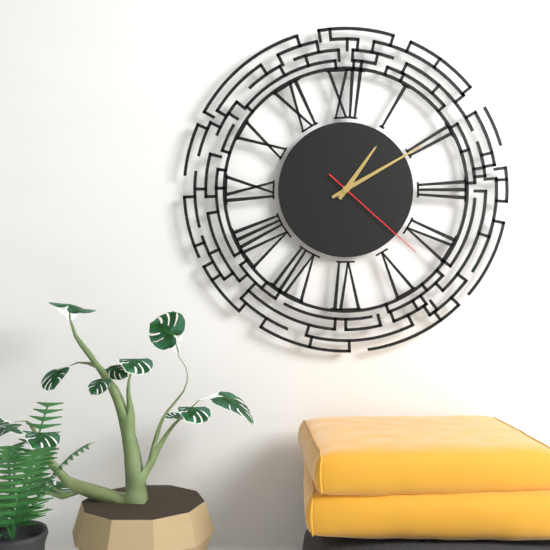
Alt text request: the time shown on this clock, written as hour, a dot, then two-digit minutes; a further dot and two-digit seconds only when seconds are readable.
1.10.22
